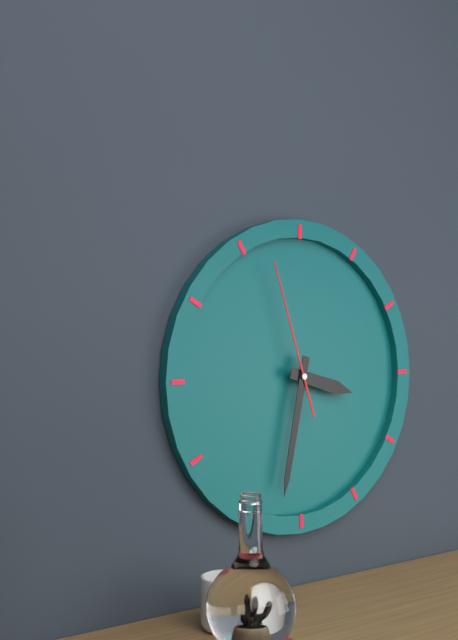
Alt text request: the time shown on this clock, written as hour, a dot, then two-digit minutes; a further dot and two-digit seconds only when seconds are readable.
3.32.57
